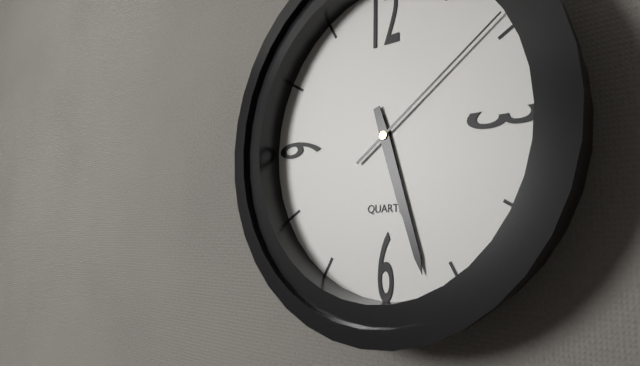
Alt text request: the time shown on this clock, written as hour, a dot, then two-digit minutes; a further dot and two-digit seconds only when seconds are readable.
5.27.09
